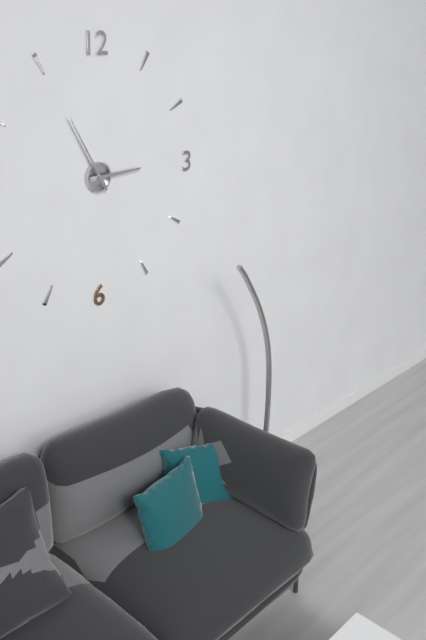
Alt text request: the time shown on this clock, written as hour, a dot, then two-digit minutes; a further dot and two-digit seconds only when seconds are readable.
2.55
